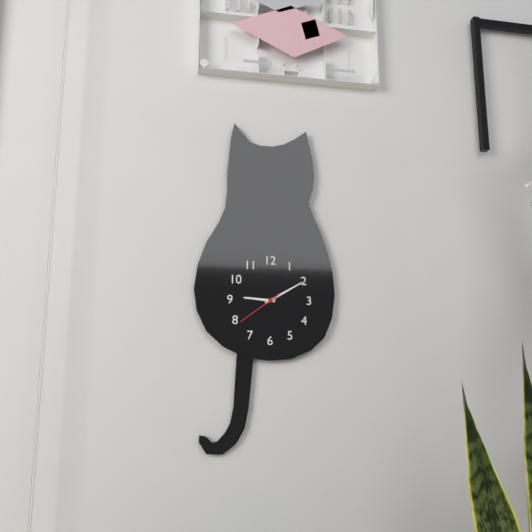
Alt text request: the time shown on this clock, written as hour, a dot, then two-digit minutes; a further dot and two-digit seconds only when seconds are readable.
9.10
